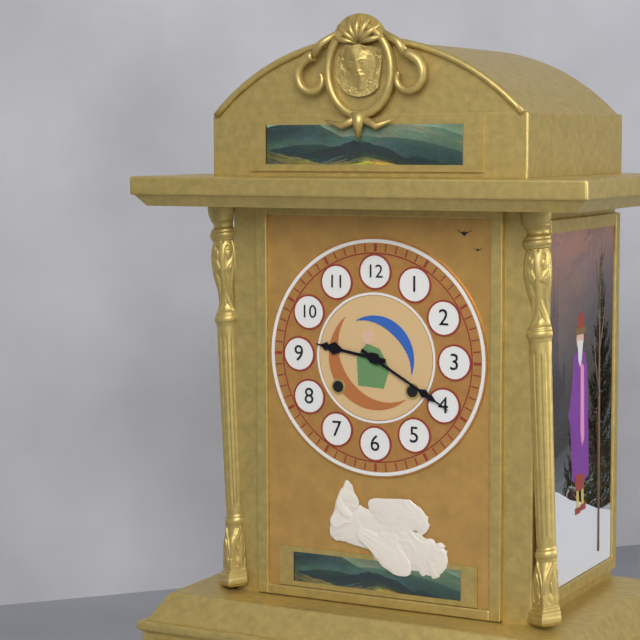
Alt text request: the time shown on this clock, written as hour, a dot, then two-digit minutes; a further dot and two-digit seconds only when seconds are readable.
9.20
